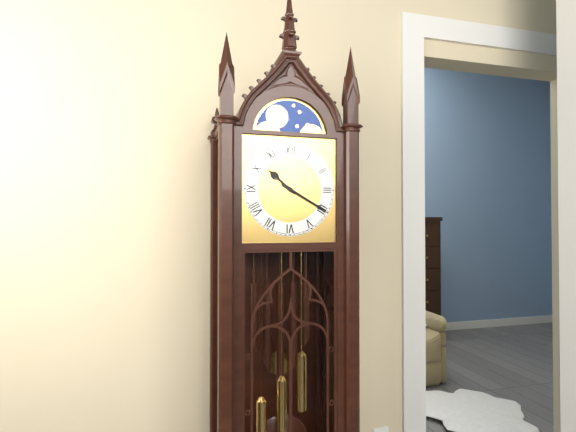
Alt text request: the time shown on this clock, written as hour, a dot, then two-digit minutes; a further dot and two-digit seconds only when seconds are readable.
10.20
